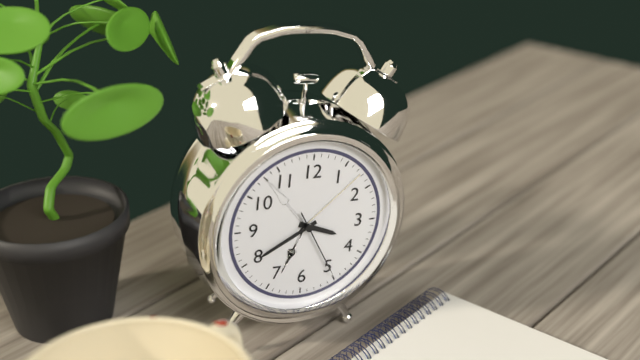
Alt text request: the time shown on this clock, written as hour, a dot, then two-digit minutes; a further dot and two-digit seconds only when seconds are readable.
3.40.25
